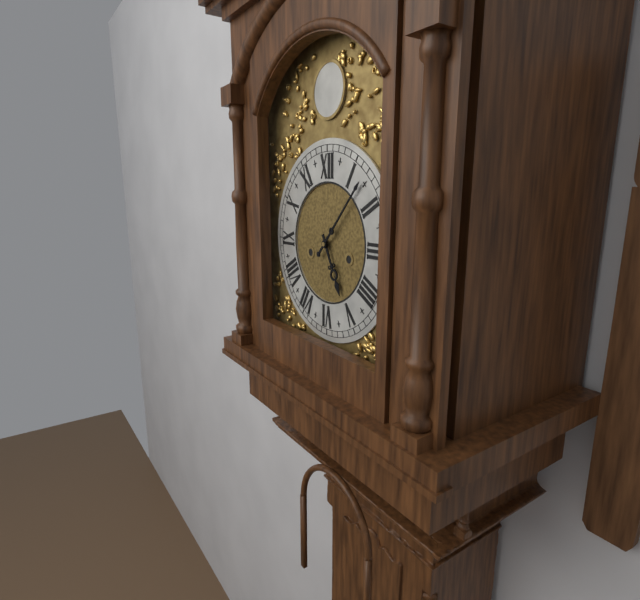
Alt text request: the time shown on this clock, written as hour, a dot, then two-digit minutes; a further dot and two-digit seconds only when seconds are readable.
5.07
